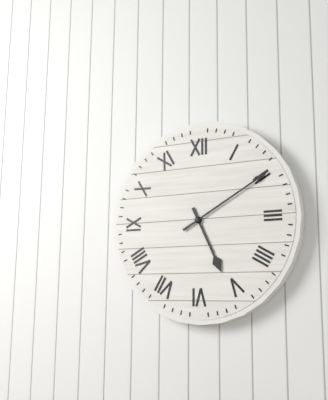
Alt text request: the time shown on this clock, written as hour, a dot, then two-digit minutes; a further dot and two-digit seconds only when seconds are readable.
5.10
